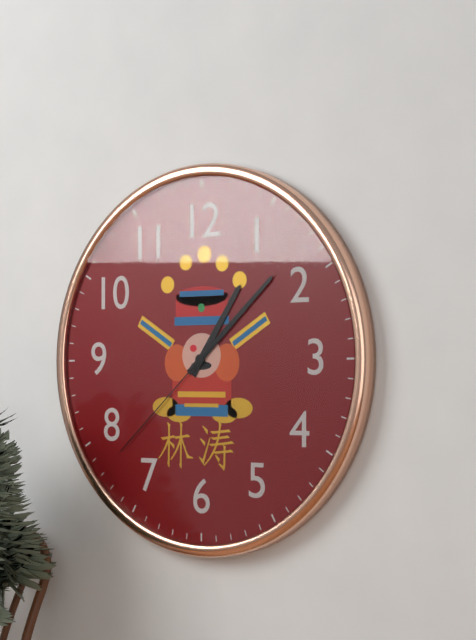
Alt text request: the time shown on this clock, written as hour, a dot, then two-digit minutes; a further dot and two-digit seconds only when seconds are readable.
1.08.38
